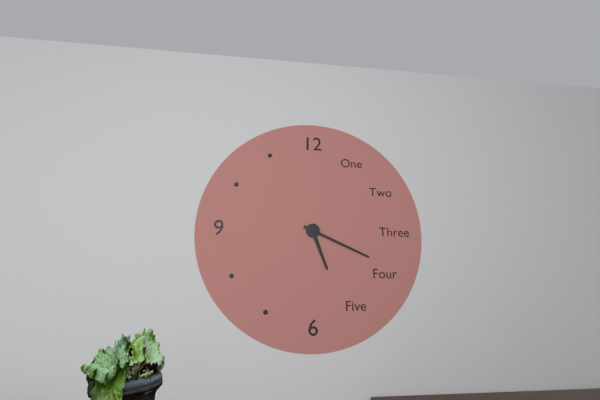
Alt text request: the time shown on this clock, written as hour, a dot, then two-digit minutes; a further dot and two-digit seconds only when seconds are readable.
5.19
